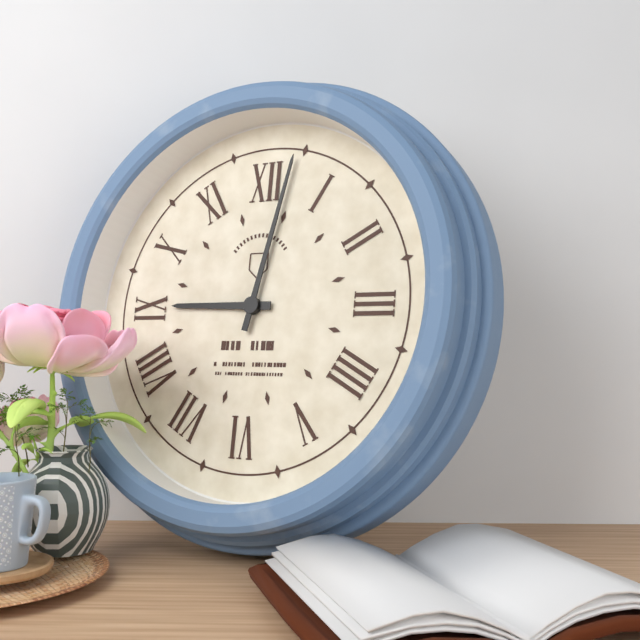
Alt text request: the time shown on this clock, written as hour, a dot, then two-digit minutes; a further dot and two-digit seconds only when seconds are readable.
9.02
